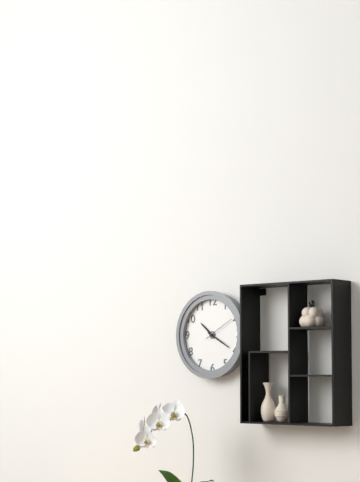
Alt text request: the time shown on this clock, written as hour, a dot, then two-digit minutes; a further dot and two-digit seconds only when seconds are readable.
10.20
